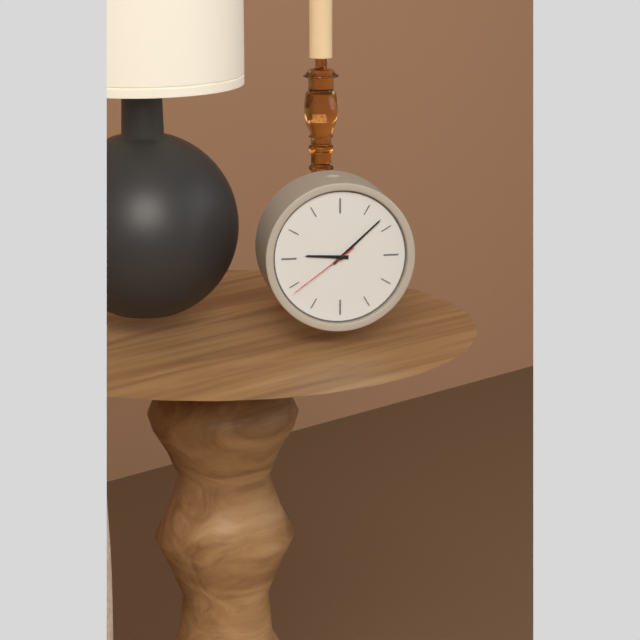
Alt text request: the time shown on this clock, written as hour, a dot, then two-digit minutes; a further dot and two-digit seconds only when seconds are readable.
9.08.39
